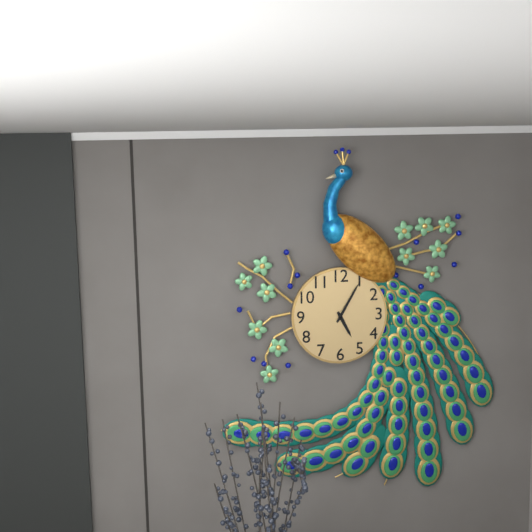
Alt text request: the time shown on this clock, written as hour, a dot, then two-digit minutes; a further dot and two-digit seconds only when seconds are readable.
5.05
